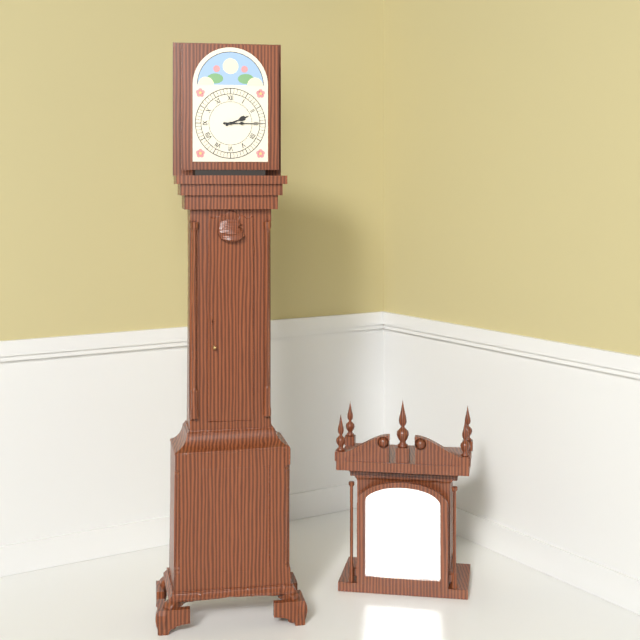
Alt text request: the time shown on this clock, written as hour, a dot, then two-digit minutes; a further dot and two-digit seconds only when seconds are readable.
2.15
